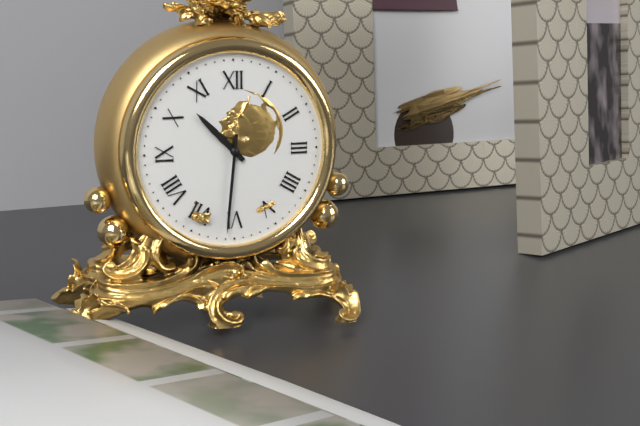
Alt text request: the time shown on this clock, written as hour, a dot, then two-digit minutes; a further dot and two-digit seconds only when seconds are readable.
10.31
